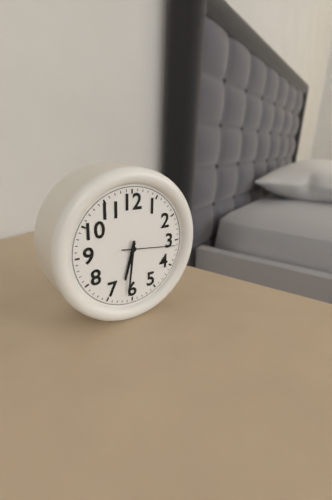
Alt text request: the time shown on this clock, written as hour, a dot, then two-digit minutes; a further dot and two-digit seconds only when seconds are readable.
6.31.16
